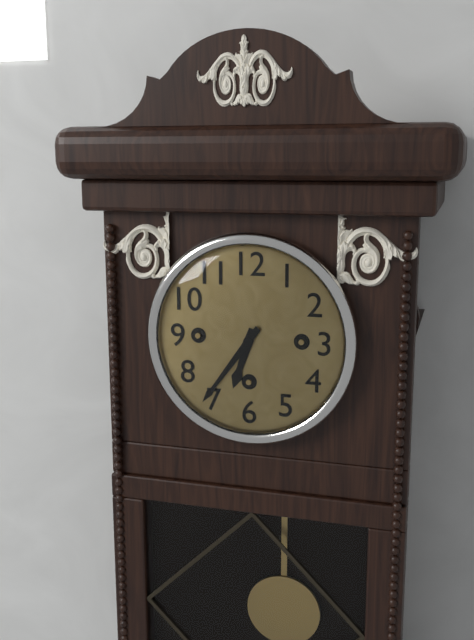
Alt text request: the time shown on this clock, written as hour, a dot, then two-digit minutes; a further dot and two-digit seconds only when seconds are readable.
6.36
